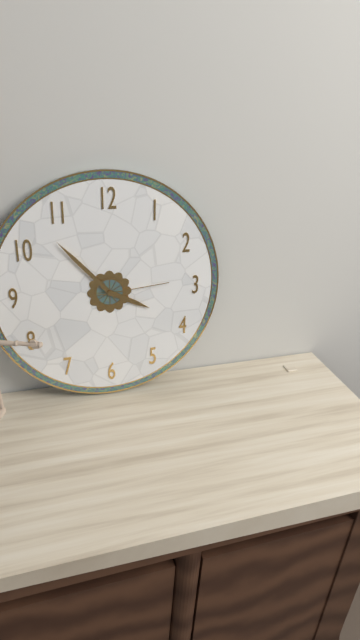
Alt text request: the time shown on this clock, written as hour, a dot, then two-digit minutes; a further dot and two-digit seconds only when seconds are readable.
3.53.14
